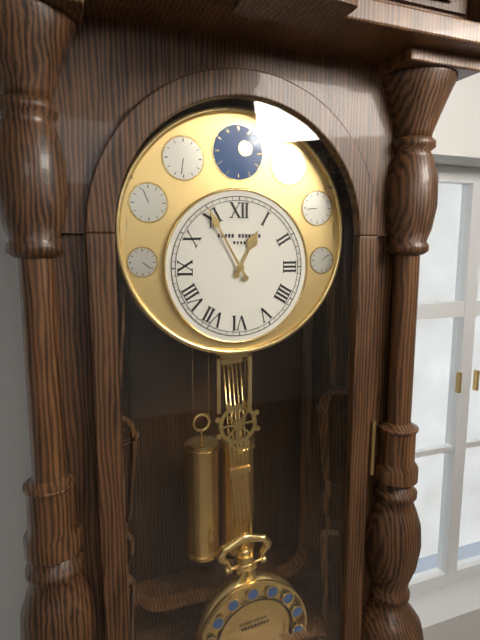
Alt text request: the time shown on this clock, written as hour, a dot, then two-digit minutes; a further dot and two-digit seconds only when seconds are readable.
12.55
